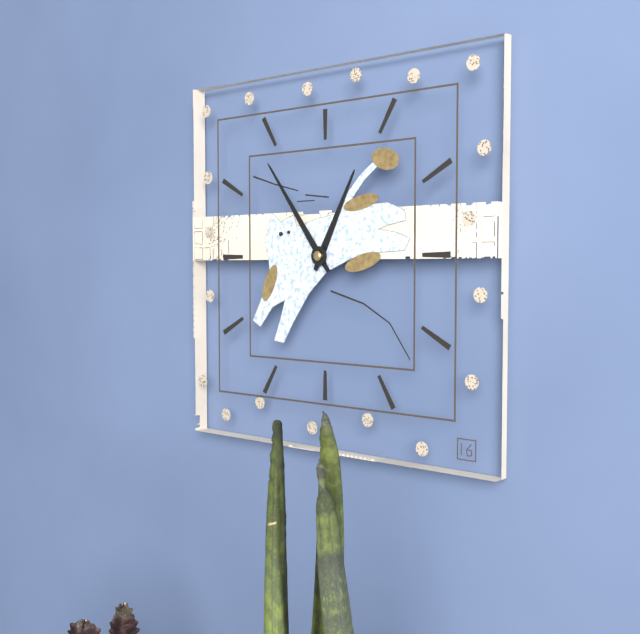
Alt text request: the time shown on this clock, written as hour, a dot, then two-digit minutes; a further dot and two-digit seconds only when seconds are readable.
12.54
